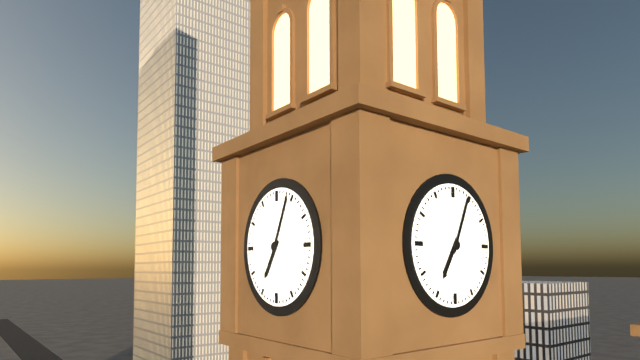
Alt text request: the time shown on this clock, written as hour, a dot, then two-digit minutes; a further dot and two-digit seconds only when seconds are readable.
7.04
